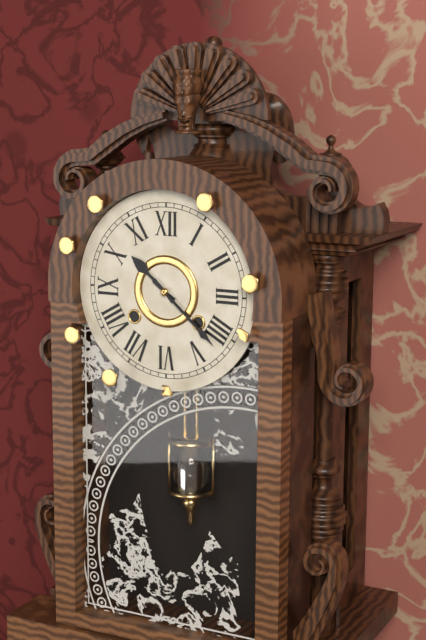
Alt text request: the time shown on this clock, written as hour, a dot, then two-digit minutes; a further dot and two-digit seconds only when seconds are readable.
10.22
